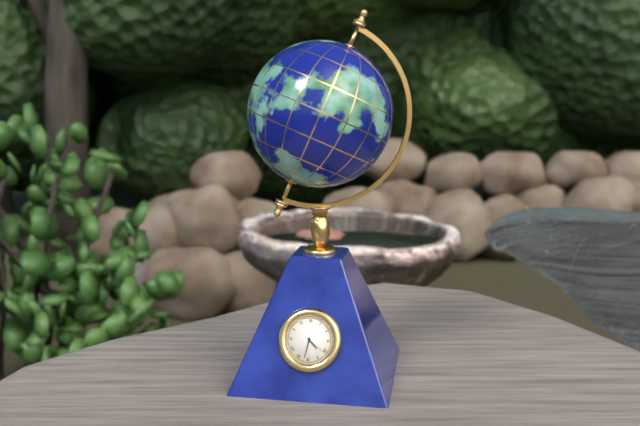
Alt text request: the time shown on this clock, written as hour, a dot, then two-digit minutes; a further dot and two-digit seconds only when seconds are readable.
4.32
